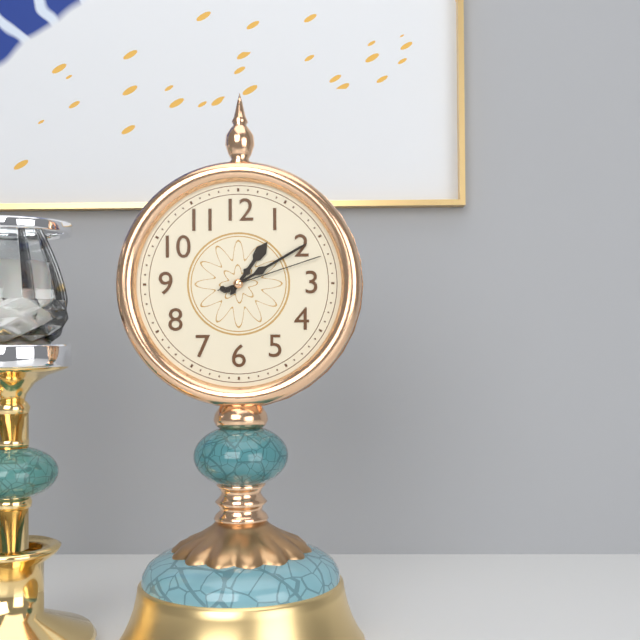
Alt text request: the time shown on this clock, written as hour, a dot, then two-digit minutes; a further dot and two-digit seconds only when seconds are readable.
1.10.12
